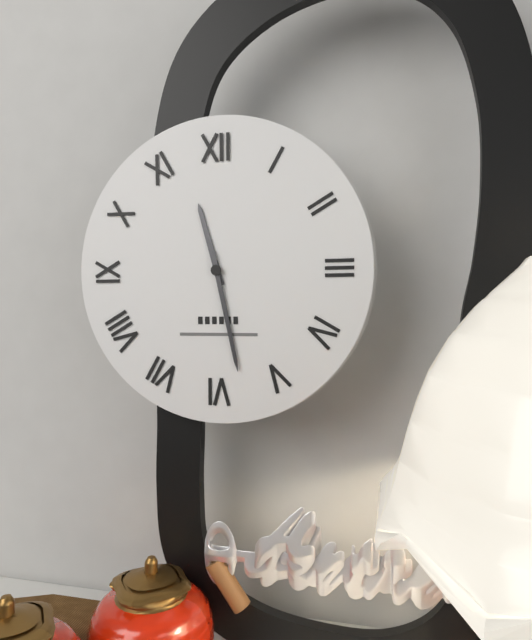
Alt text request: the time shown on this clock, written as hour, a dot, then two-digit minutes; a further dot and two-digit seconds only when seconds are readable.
11.28
